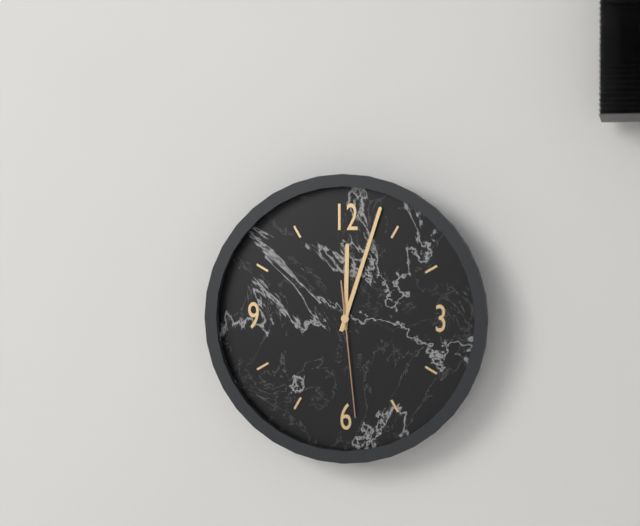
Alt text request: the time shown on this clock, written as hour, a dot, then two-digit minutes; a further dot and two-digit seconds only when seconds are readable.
12.03.29
